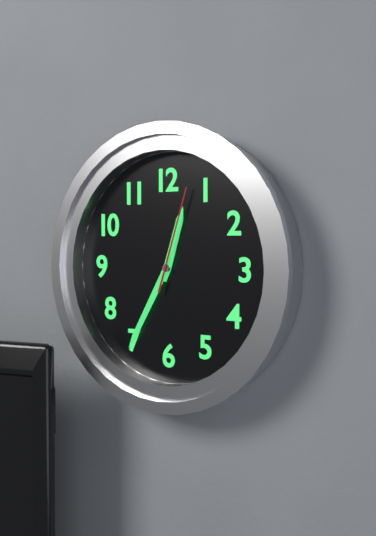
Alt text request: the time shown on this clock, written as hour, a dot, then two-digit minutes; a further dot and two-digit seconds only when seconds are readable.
12.35.03
